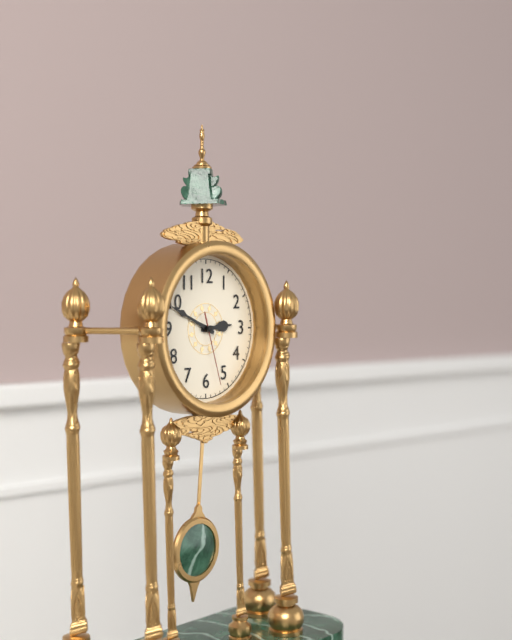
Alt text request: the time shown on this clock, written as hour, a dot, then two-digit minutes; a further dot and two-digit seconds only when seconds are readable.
2.49.27
